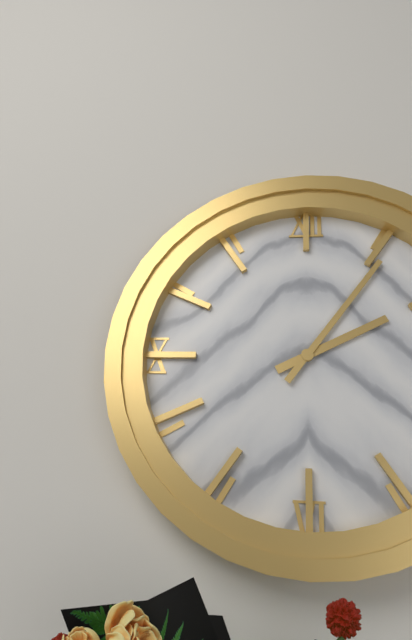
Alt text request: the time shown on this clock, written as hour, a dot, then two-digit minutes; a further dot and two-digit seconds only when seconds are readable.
2.06
